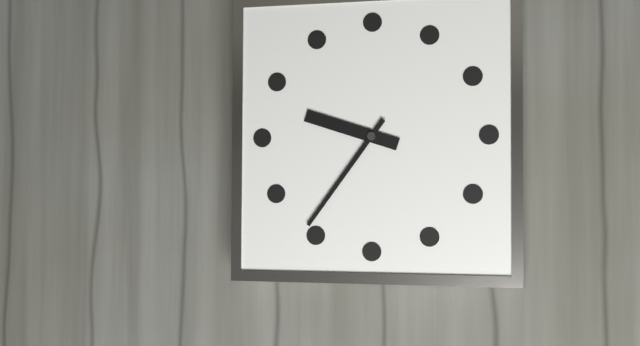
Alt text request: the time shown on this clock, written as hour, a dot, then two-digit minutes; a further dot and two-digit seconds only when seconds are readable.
9.36
